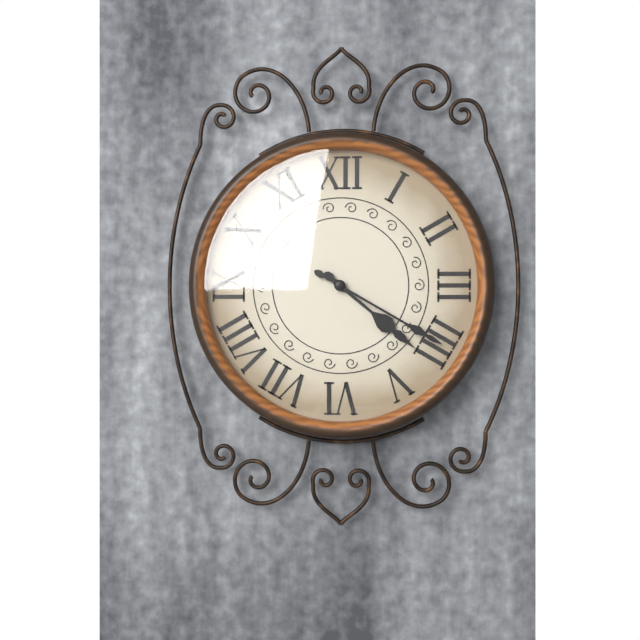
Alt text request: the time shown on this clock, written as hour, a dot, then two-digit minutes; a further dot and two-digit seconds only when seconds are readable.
4.20
